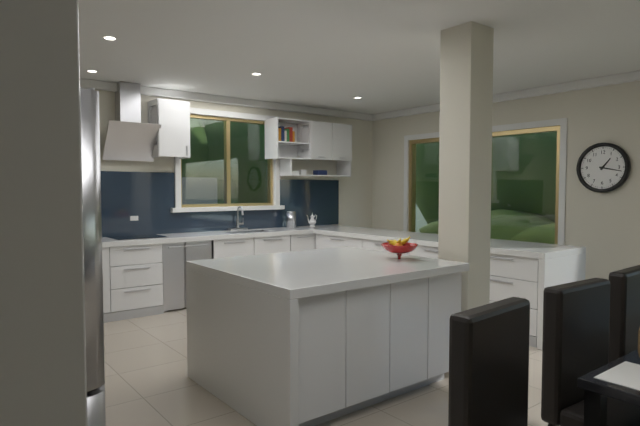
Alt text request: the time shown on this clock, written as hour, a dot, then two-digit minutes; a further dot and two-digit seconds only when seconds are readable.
1.17
